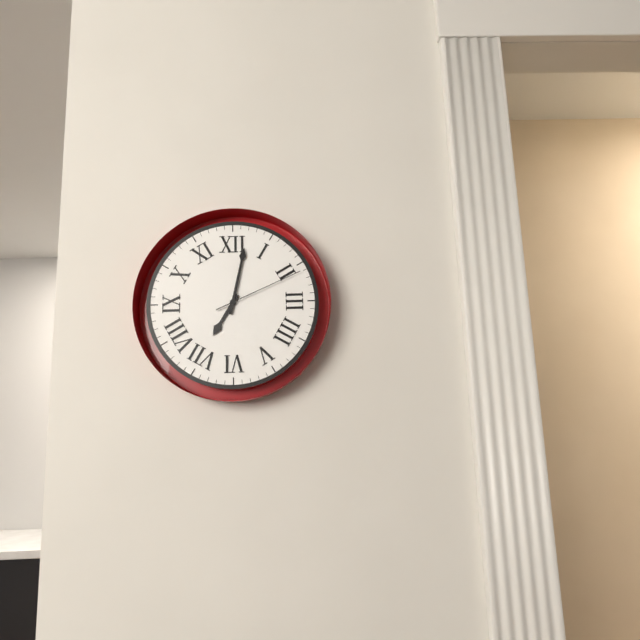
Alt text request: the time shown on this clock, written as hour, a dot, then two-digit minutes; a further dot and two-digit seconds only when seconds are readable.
7.02.11
